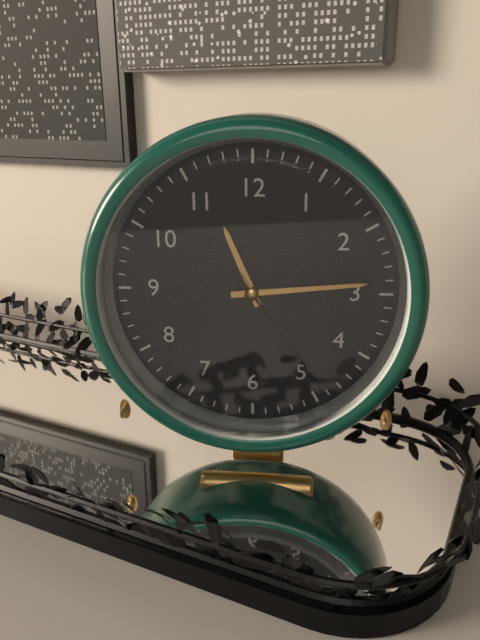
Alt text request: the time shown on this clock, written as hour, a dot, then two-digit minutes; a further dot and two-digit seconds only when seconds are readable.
11.14.24
